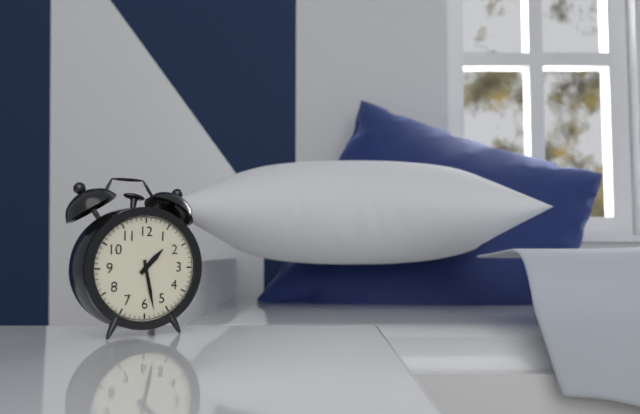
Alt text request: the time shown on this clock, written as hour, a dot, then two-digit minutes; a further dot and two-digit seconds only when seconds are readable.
1.28
